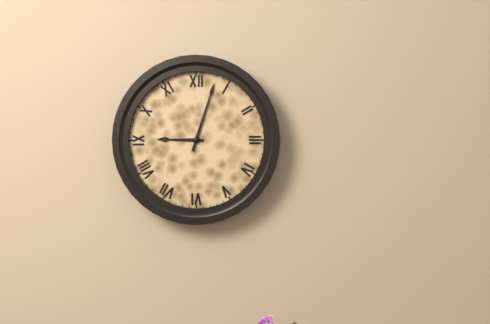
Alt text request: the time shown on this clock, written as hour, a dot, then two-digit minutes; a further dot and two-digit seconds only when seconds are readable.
9.03
